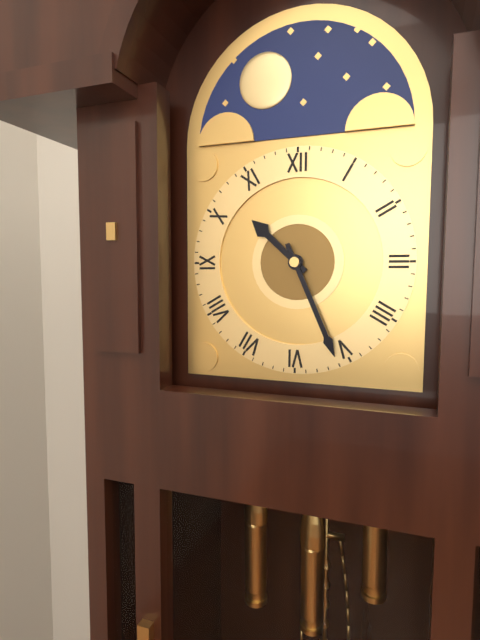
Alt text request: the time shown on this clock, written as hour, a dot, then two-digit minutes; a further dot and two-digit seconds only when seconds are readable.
10.26
